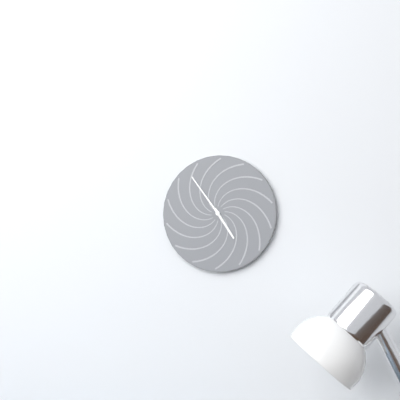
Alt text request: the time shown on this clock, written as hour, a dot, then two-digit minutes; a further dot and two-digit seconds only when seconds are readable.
4.54
